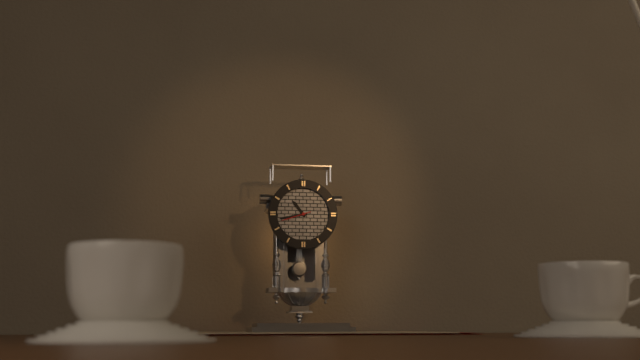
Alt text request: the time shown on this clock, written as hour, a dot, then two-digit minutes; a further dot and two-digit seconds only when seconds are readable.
10.43
